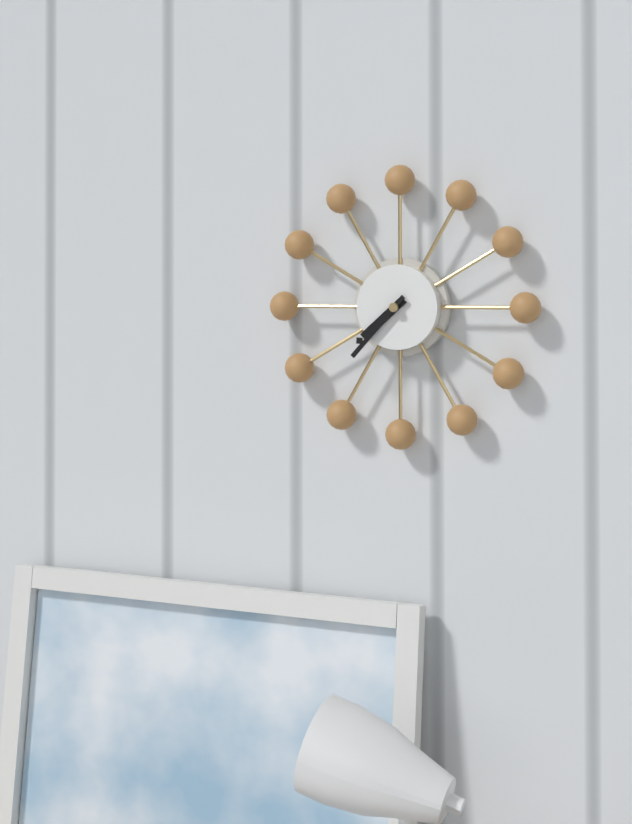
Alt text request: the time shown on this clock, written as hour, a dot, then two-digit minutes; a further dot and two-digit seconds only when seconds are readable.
7.37
